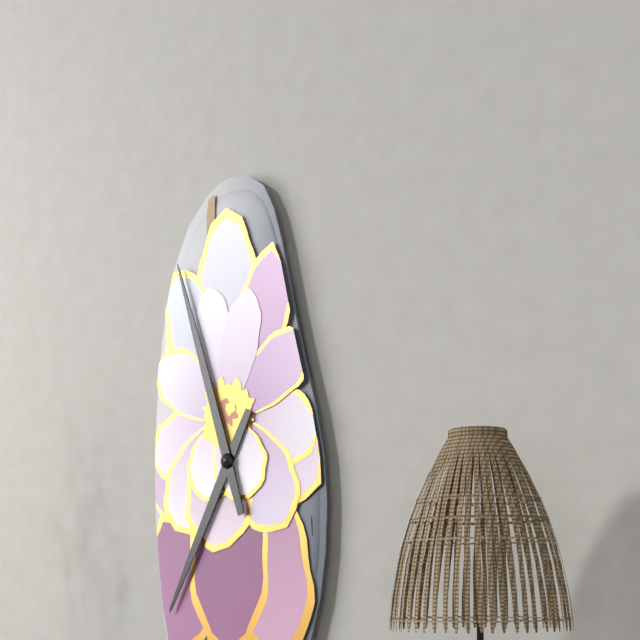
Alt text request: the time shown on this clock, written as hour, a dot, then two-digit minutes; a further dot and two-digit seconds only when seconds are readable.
6.57
